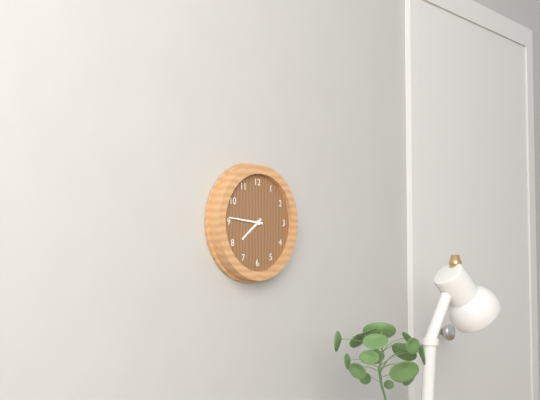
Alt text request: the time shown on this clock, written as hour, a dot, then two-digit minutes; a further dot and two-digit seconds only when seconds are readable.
7.46
